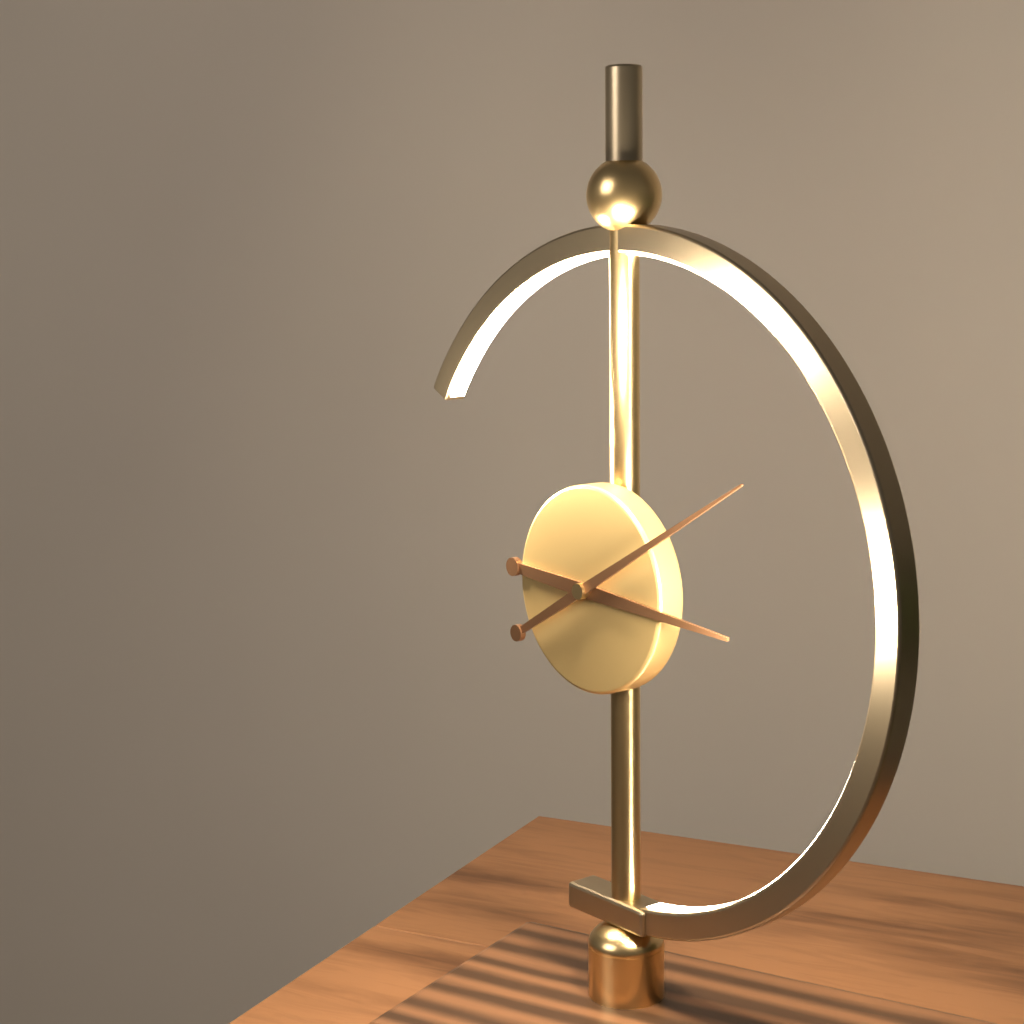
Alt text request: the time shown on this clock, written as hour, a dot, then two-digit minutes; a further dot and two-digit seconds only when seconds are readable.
3.10
